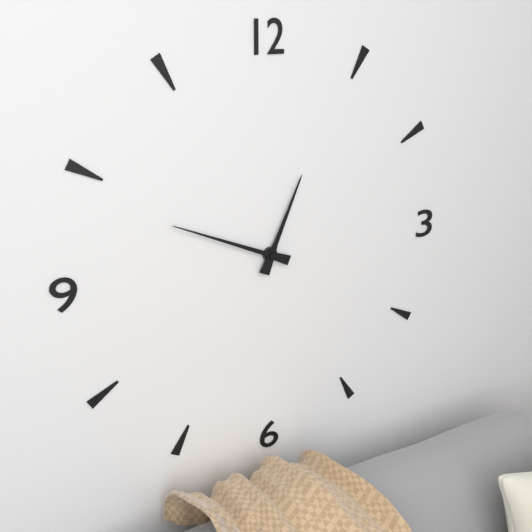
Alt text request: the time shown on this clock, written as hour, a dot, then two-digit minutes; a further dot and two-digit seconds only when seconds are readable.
12.49
